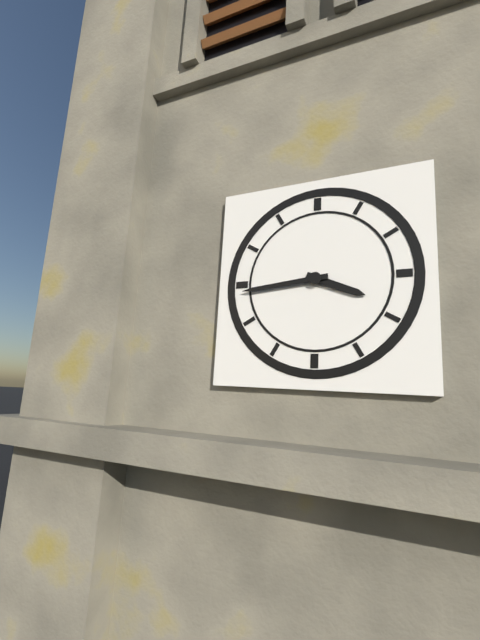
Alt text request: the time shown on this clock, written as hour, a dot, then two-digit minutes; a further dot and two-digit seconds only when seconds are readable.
3.44
